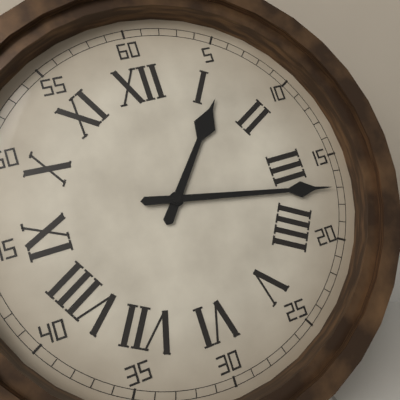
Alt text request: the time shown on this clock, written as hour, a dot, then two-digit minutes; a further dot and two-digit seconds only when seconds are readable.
1.17
